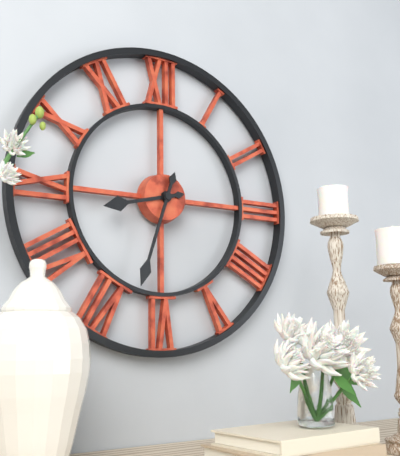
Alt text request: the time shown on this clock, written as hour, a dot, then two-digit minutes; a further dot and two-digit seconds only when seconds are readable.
8.33
